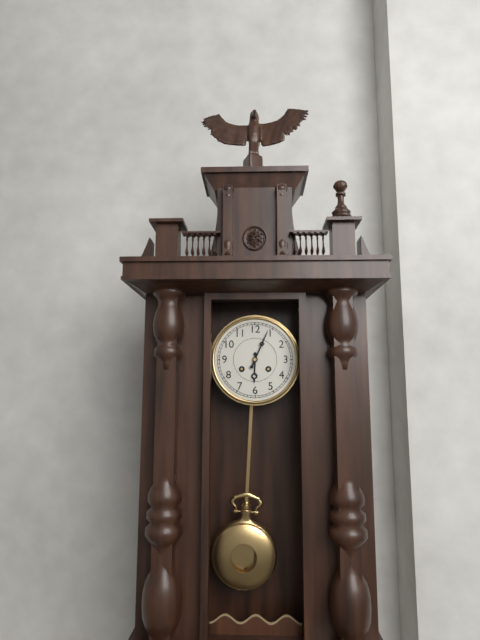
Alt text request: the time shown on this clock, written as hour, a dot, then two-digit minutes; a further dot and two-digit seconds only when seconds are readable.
6.04
